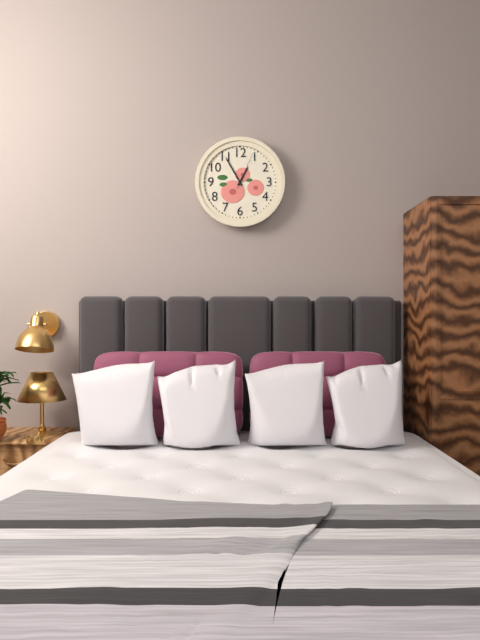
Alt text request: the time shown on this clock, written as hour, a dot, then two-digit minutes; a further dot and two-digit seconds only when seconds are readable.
12.55
